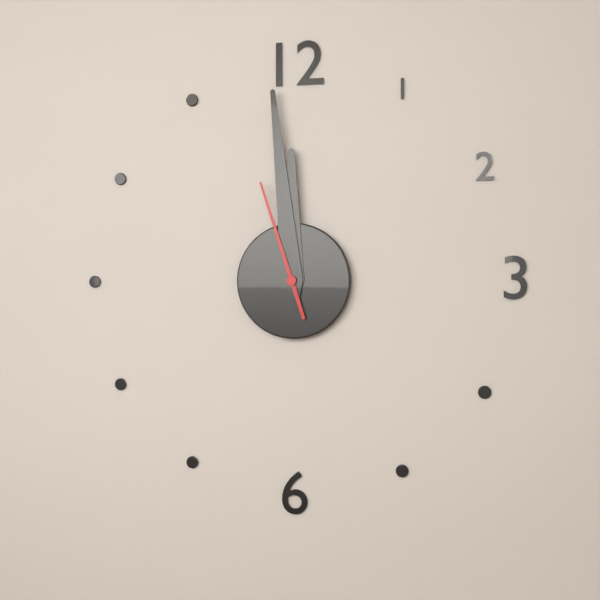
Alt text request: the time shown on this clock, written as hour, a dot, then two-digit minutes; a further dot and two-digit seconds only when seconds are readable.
11.59.57
